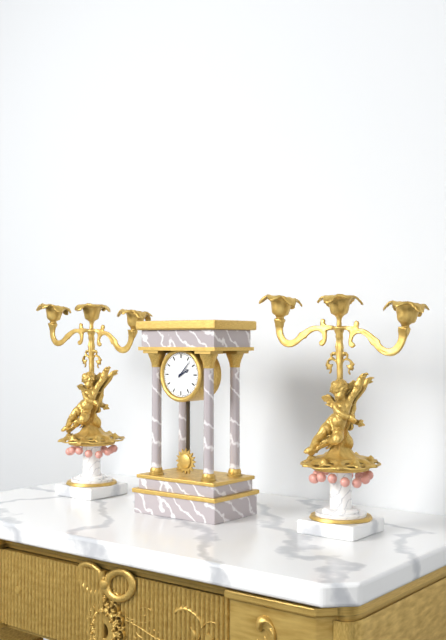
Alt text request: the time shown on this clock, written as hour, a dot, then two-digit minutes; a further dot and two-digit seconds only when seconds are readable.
2.07
